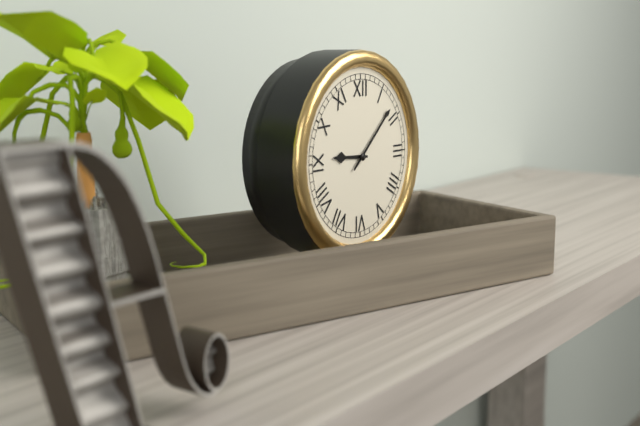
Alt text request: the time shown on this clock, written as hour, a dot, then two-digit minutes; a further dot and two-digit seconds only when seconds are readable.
9.08
